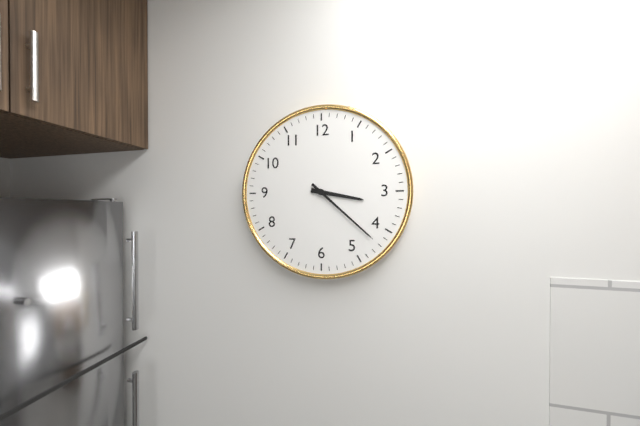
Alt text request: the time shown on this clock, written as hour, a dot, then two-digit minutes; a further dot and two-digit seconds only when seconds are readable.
3.22
